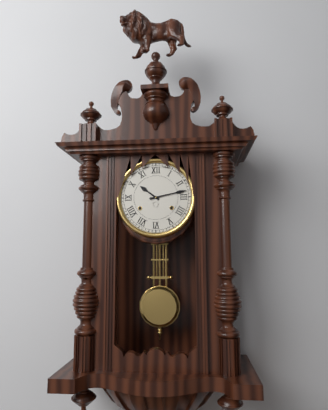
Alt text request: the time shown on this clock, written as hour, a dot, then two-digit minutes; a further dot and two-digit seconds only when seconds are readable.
10.13
